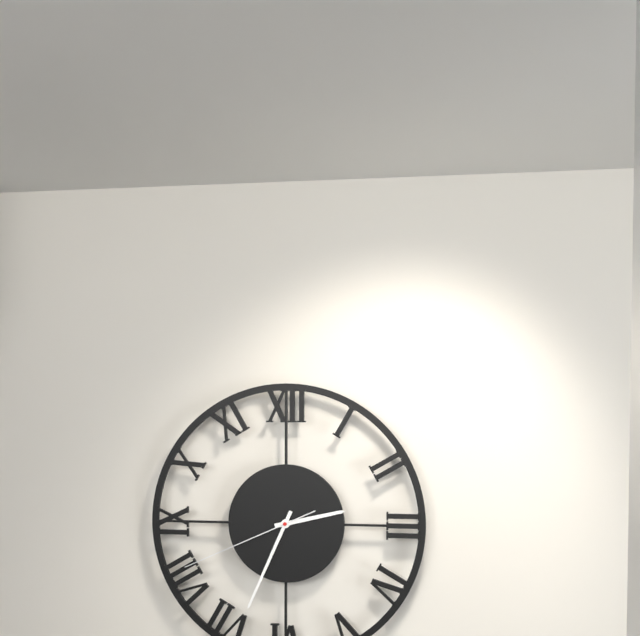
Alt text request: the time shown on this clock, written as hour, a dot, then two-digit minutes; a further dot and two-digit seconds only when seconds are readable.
2.34.41
